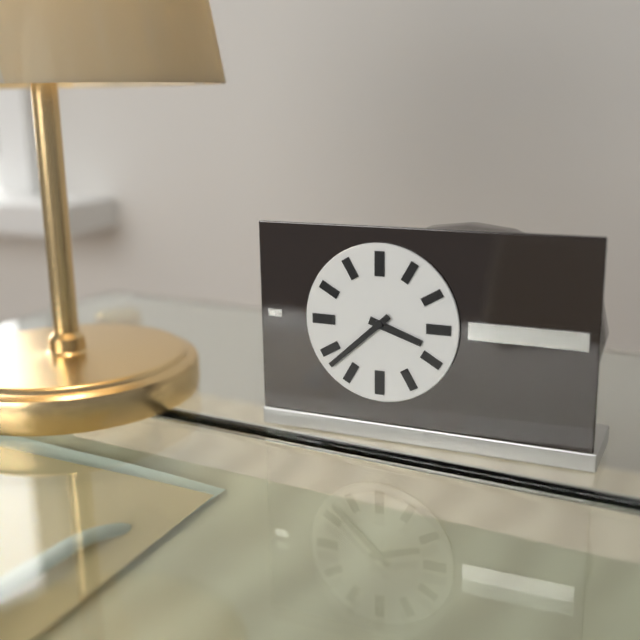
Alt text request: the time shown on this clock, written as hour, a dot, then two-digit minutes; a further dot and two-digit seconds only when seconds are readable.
3.38
